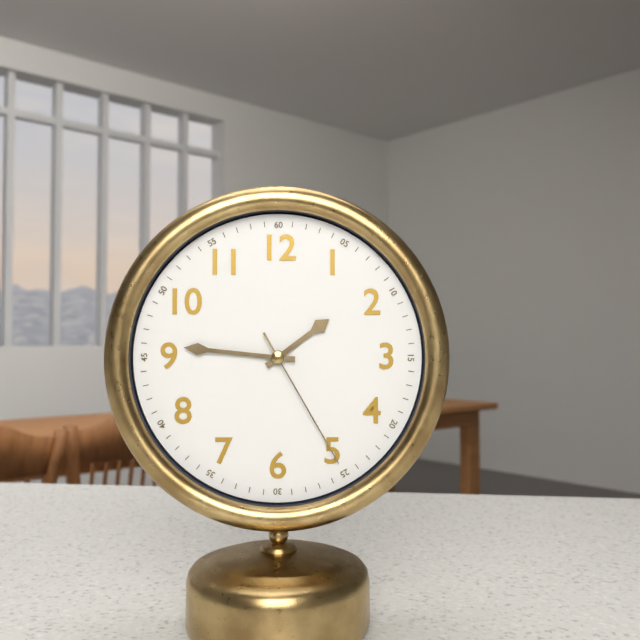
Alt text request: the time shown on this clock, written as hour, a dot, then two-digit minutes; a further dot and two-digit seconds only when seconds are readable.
1.46.25
